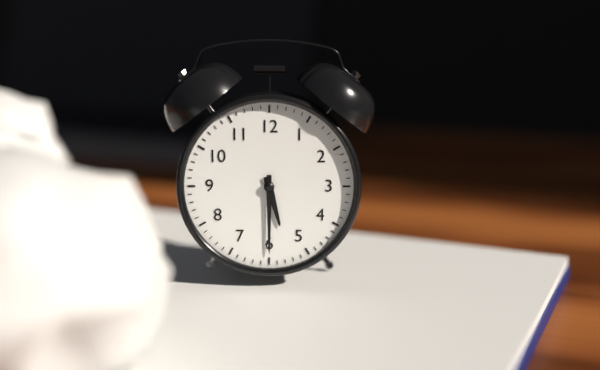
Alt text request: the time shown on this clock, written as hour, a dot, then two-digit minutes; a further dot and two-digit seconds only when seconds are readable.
5.30
